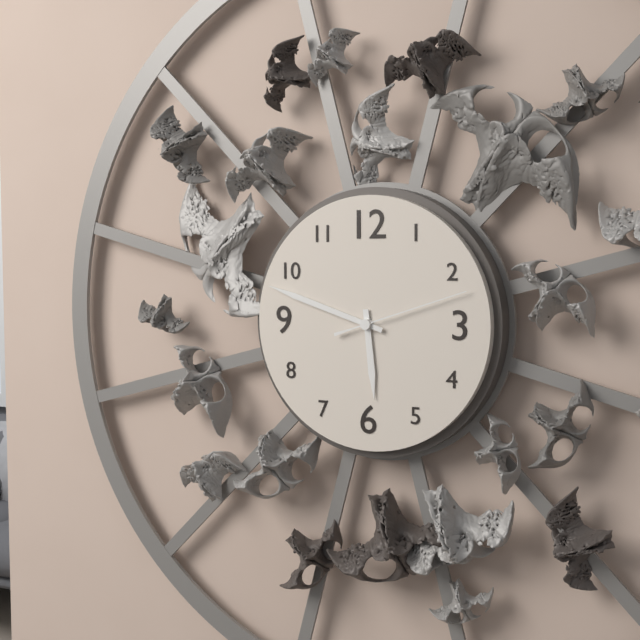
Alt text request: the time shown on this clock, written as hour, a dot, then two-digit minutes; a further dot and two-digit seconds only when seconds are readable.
5.48.12
